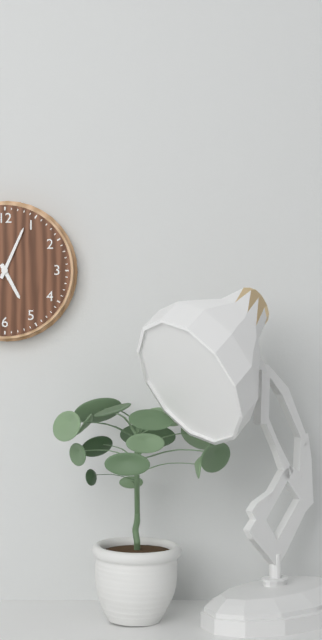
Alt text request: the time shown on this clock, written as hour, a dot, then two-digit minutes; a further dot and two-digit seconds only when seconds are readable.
5.04
